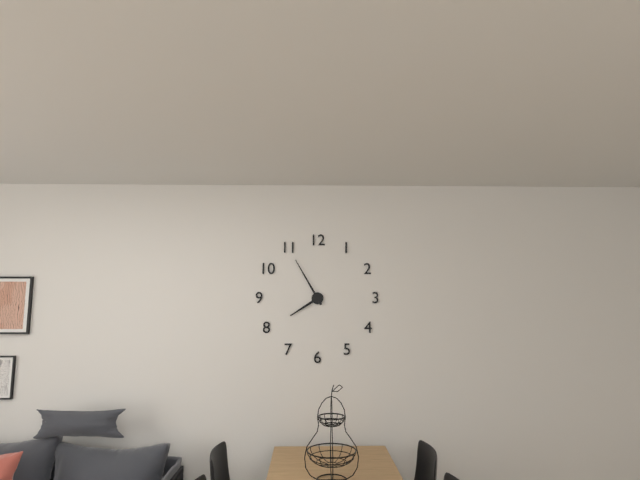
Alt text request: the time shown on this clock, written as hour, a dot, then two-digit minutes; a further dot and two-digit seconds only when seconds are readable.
7.55
